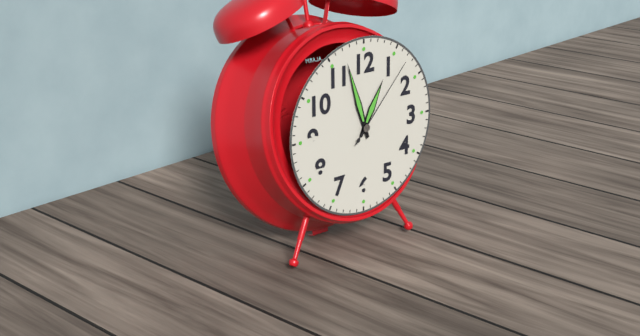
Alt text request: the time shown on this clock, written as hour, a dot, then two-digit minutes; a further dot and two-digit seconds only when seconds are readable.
12.57.07
